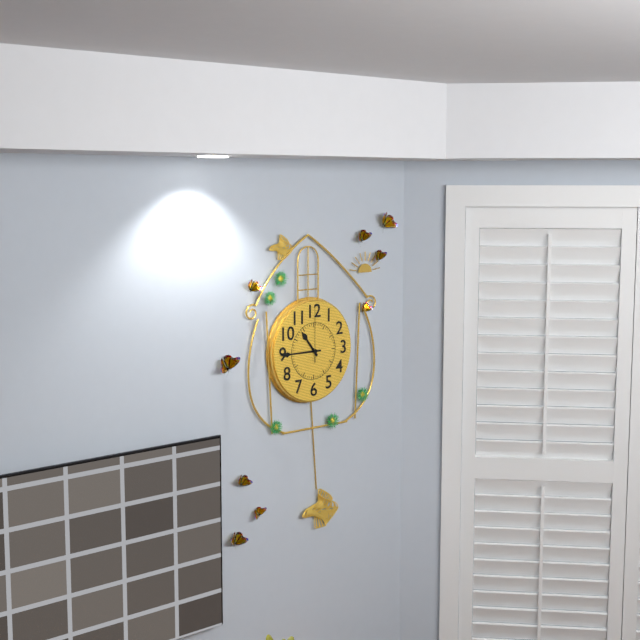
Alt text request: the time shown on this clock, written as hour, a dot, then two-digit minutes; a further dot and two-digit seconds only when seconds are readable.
10.45.00
